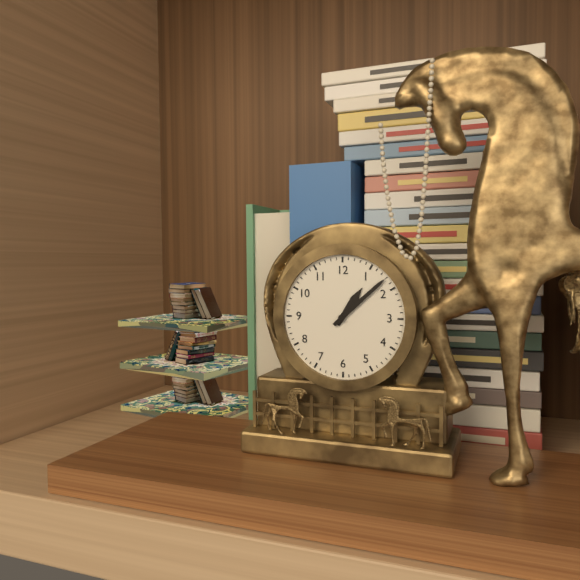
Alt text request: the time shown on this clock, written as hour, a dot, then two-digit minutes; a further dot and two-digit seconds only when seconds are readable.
1.08
